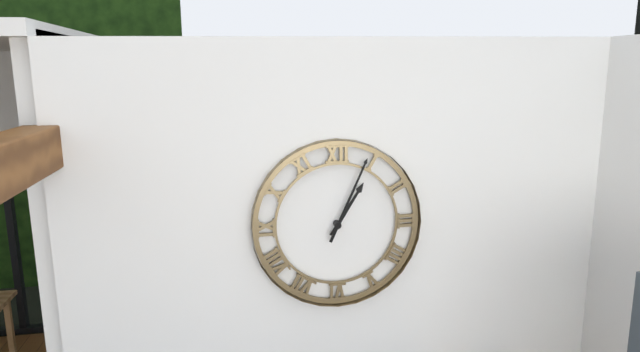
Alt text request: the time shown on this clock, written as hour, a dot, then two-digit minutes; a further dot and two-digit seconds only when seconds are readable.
1.04
